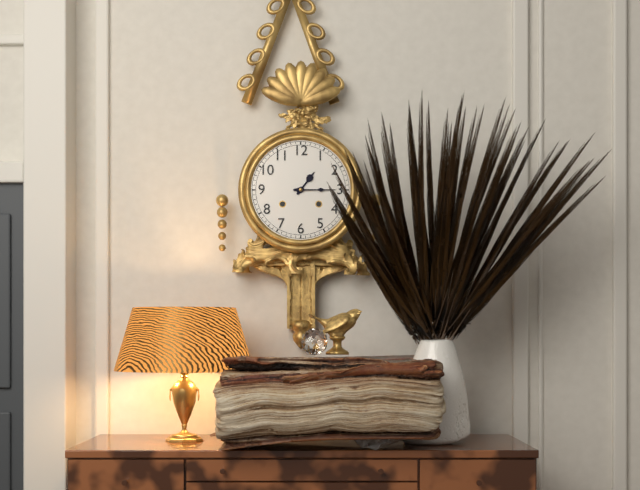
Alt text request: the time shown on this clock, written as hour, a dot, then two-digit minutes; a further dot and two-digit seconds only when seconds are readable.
1.15
